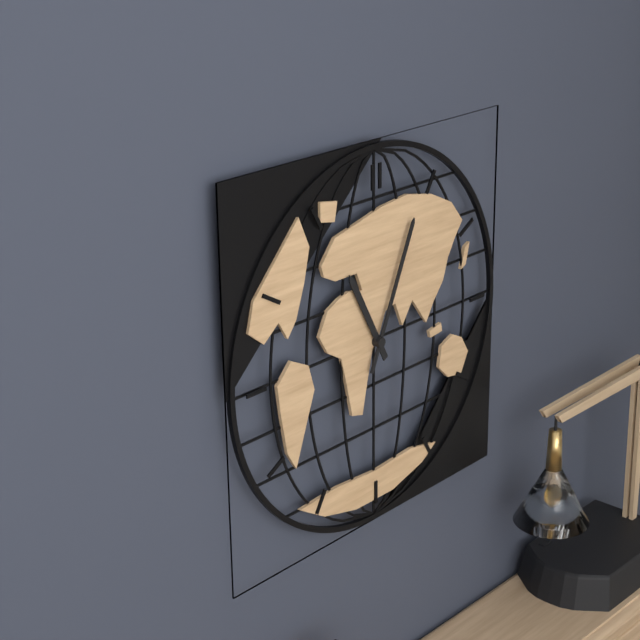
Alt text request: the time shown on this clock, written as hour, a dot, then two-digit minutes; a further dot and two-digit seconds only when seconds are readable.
11.04
